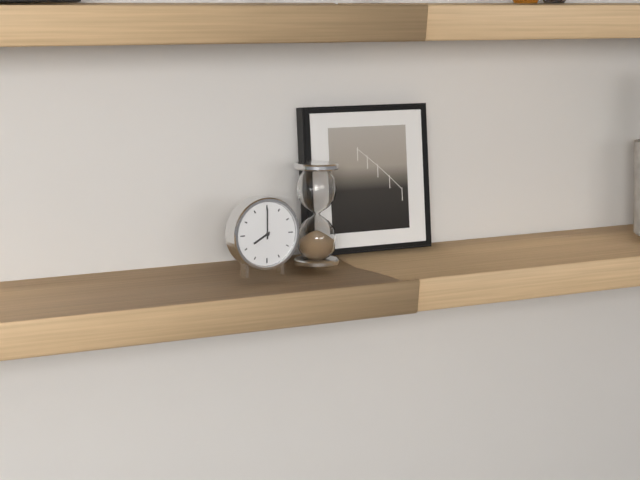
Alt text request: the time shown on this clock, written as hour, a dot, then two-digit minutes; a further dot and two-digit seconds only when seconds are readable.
8.00
